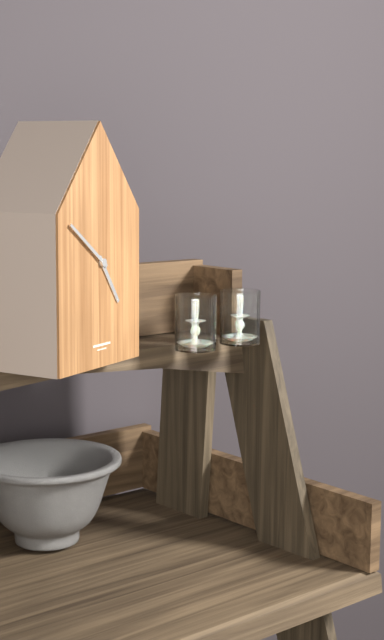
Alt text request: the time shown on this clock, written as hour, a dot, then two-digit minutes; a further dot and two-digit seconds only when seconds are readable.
4.51
